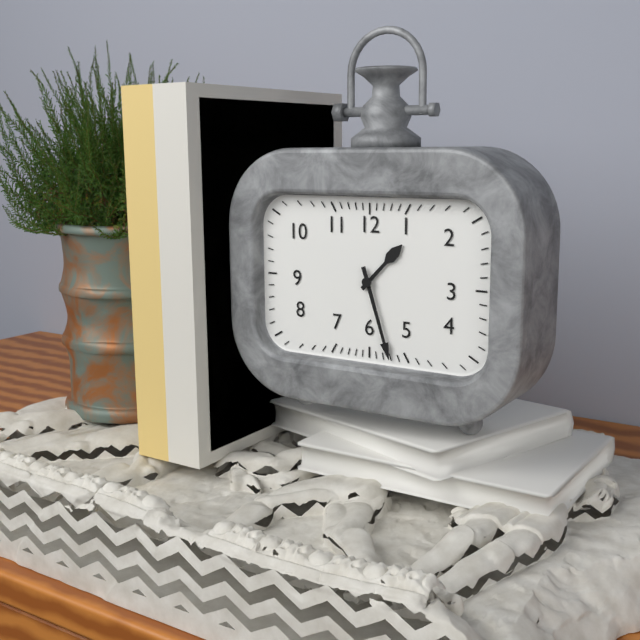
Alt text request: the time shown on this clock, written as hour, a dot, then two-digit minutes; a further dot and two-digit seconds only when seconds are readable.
1.27
